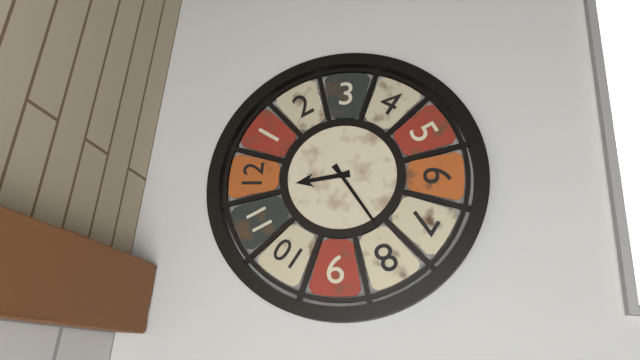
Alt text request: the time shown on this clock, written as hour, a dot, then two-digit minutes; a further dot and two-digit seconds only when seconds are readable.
11.39
